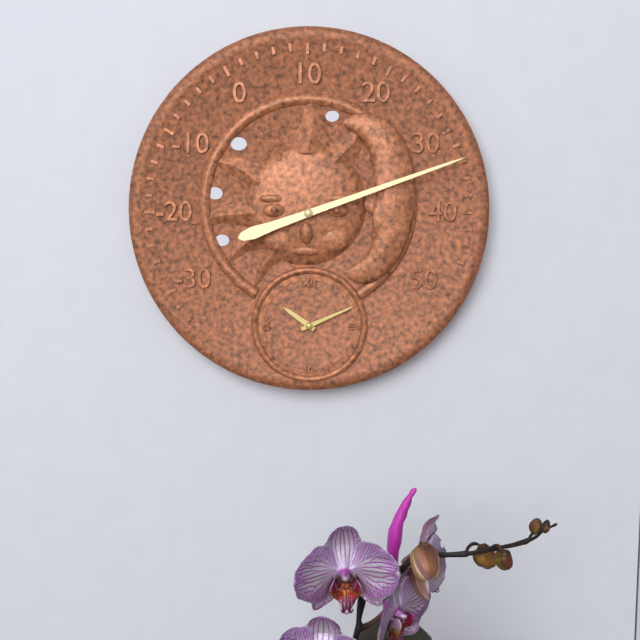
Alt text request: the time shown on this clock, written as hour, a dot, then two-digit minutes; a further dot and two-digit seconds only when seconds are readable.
10.11
